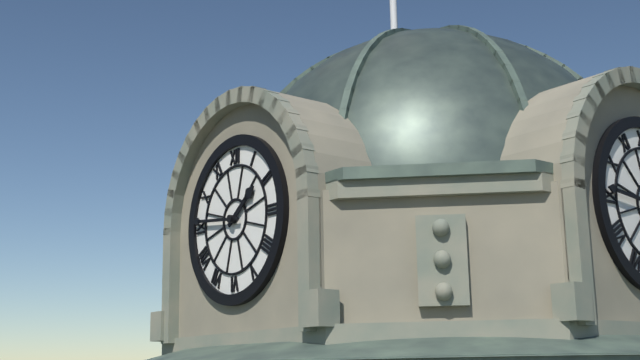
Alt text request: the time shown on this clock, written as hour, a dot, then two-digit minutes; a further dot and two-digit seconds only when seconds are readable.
1.46
